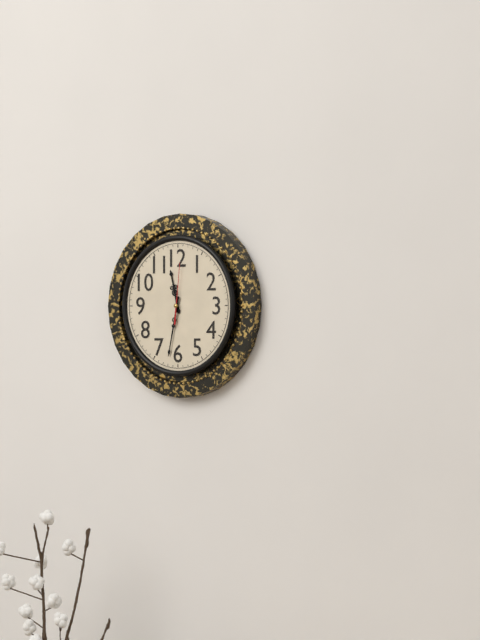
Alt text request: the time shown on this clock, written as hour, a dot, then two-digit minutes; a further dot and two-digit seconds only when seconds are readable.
11.32.01
